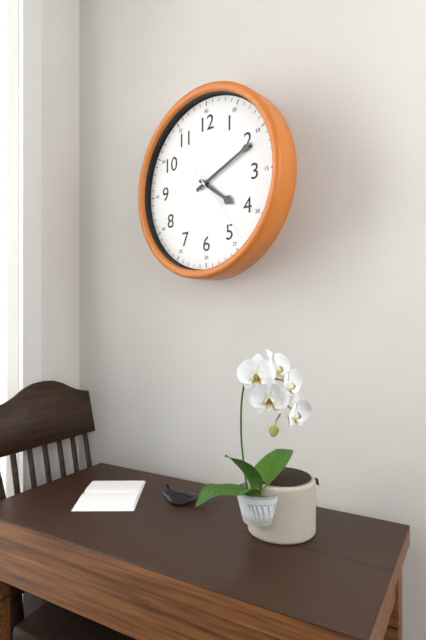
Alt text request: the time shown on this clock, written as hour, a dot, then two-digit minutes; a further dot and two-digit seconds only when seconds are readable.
4.11.24
